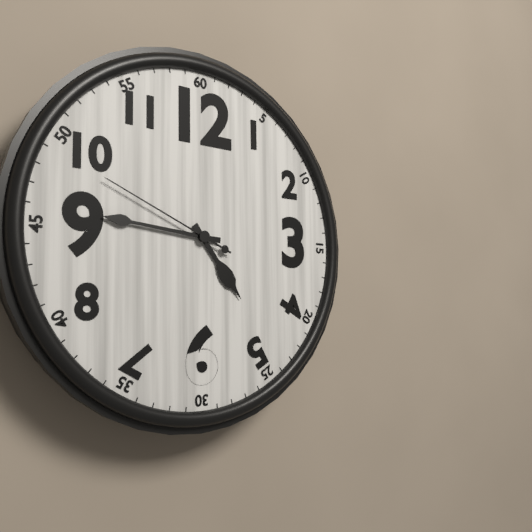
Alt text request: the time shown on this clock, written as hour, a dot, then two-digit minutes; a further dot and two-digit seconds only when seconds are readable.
4.46.49
